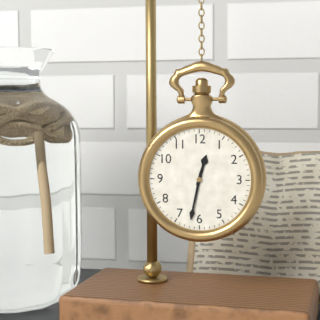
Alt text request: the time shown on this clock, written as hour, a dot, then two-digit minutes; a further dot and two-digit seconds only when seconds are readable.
12.32
